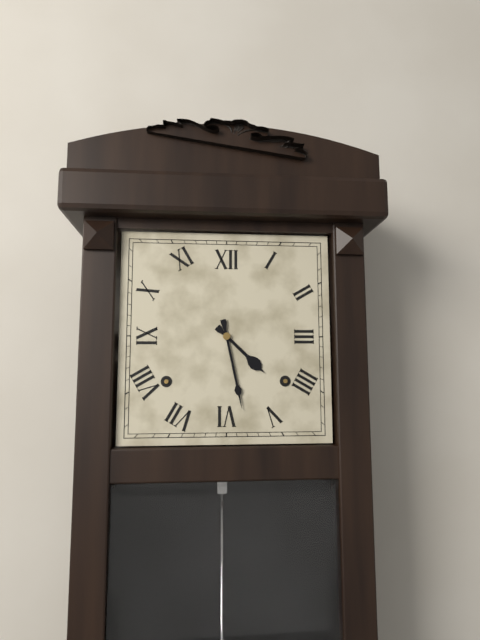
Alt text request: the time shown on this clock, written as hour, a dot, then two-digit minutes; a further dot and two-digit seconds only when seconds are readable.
4.28
